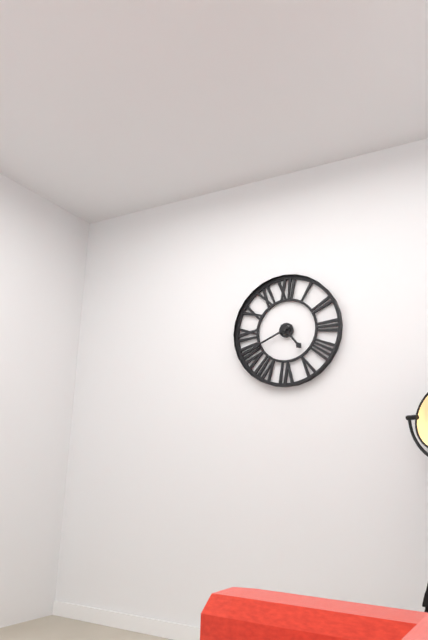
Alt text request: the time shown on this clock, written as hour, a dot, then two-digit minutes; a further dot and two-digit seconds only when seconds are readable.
4.41
